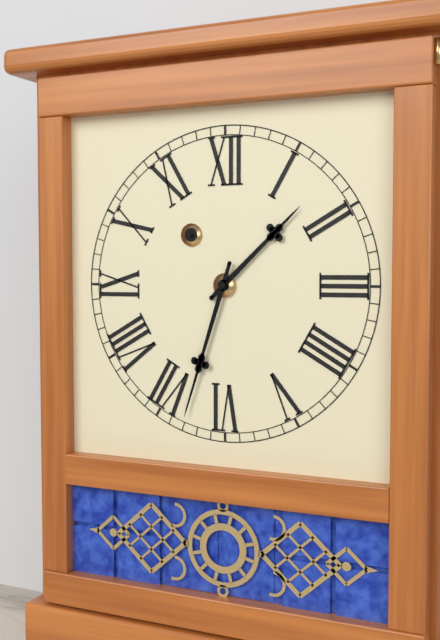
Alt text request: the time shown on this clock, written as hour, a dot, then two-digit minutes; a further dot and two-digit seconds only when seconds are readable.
1.33
